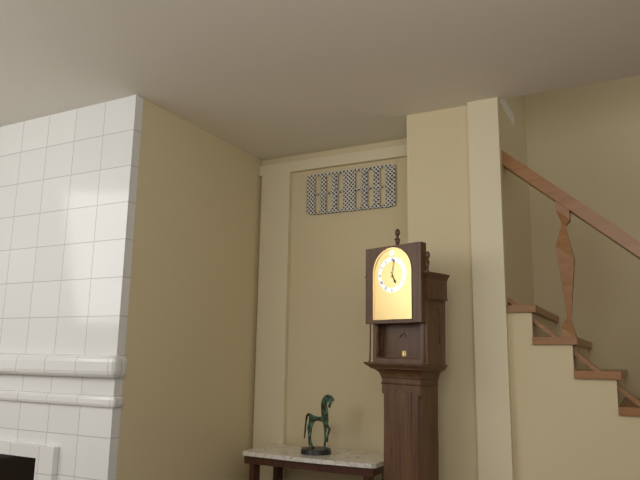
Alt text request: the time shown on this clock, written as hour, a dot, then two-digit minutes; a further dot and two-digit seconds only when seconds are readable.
5.02
